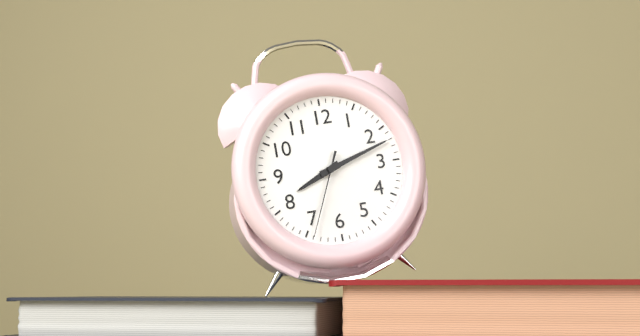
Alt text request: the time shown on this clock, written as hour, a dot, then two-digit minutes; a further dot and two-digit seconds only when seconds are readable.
8.12.34
